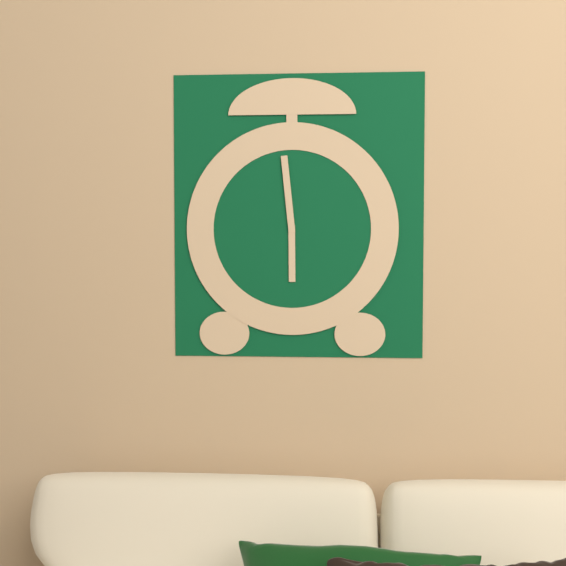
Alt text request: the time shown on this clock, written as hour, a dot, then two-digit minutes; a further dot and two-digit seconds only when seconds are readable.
5.59
